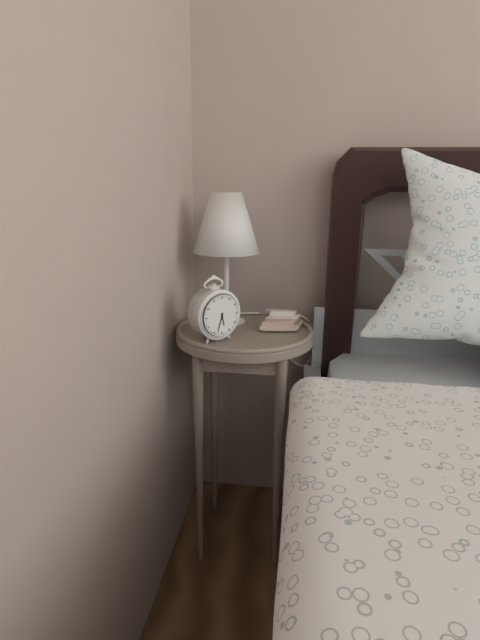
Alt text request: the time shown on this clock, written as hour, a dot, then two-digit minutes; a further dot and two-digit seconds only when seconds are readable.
5.33
